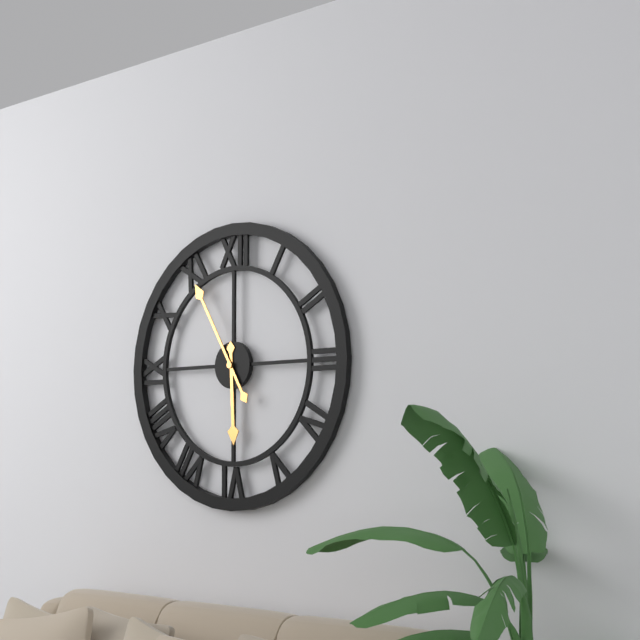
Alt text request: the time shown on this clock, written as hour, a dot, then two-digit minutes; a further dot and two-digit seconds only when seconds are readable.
5.55
